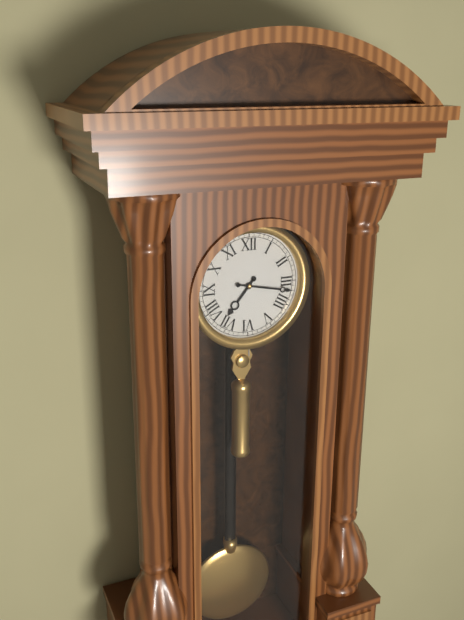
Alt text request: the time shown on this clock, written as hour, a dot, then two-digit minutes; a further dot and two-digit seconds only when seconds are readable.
7.17
